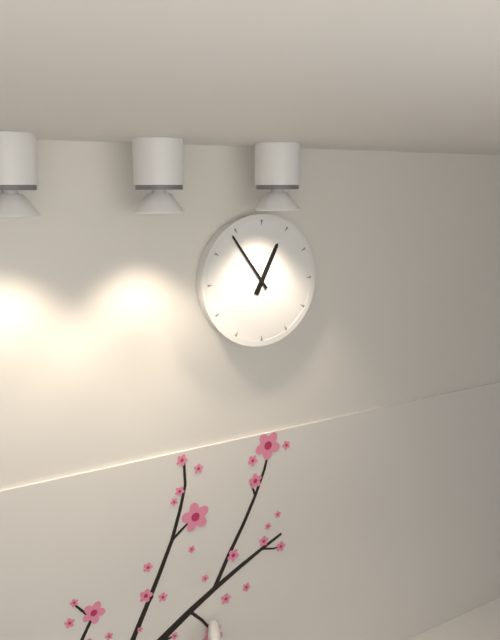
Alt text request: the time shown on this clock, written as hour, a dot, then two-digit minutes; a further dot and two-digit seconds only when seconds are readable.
12.54
